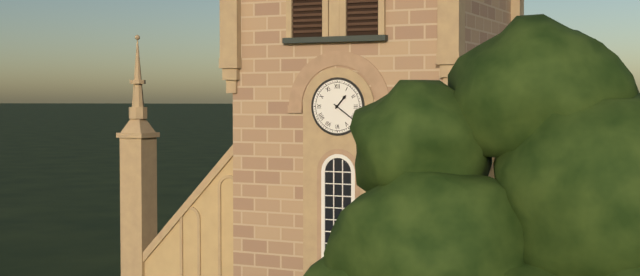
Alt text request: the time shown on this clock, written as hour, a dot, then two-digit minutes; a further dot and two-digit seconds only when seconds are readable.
1.21
